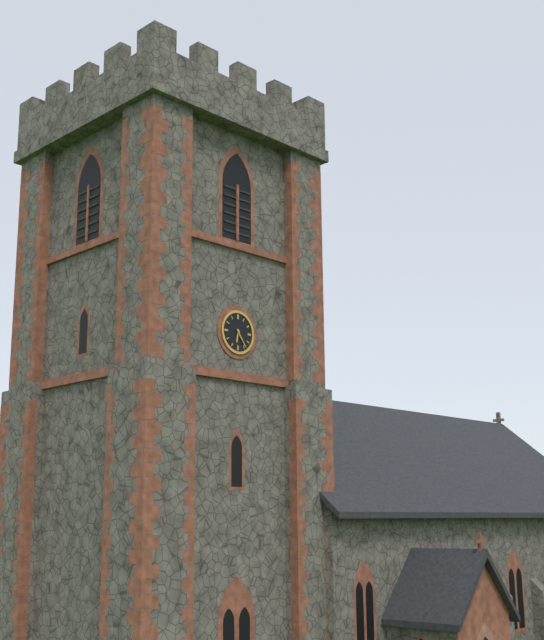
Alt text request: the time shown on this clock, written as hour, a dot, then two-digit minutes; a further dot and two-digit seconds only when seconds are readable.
6.24
